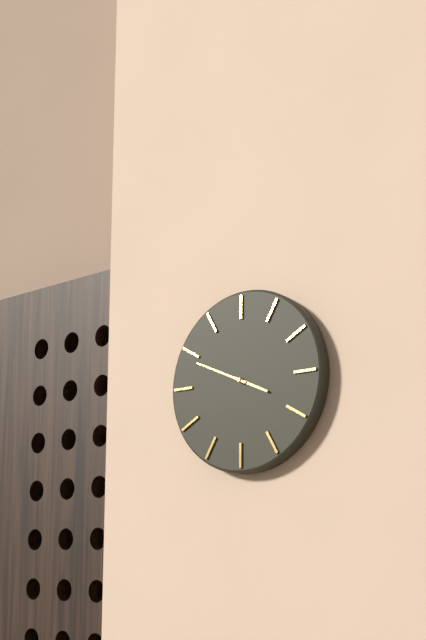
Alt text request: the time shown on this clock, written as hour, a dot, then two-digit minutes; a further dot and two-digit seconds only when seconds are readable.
3.49
